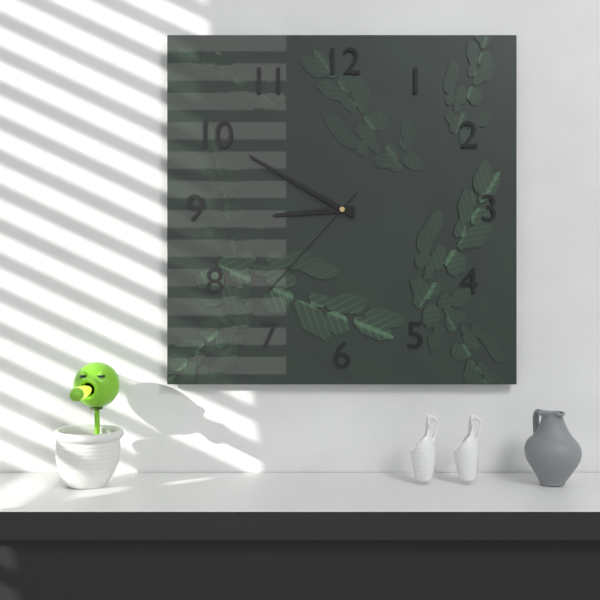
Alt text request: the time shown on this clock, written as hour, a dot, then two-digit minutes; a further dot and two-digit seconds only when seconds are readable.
8.50.37
